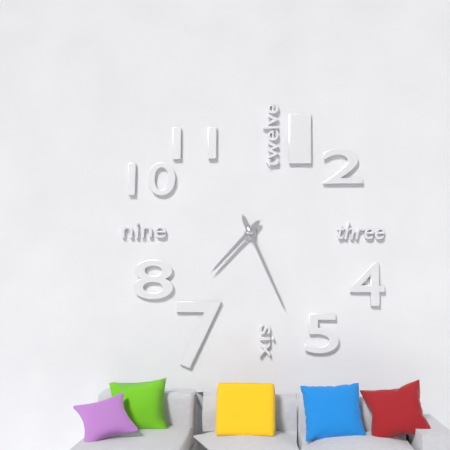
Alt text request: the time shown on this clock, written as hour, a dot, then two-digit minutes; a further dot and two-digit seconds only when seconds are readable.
7.26
